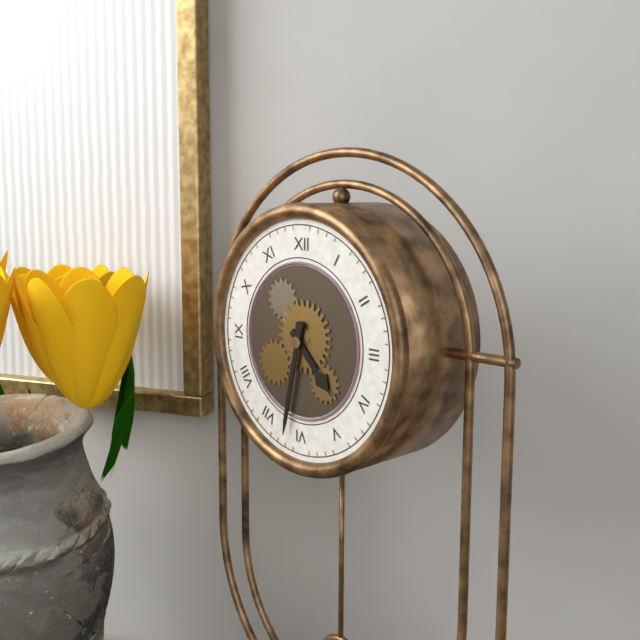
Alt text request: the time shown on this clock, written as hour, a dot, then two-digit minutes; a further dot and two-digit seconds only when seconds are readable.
4.32
